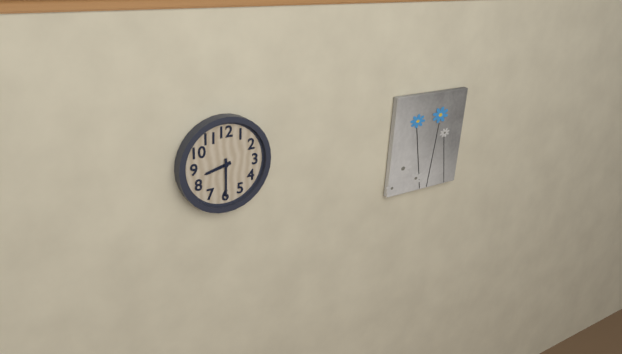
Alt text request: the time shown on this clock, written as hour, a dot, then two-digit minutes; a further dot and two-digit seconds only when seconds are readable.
8.30
